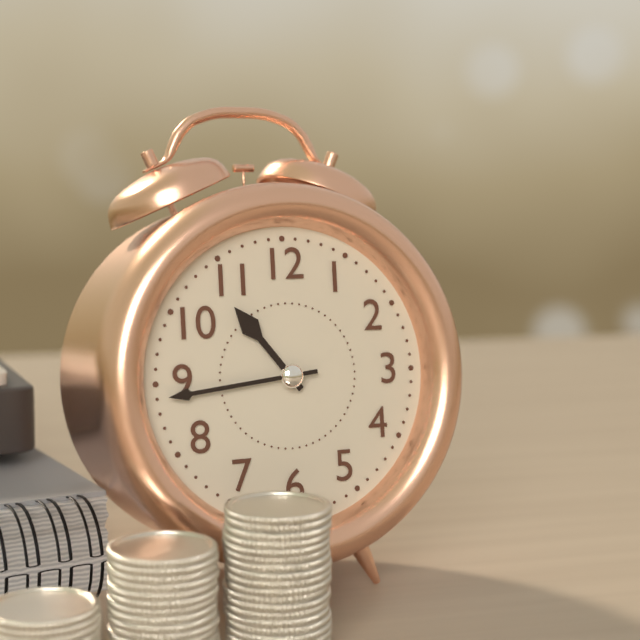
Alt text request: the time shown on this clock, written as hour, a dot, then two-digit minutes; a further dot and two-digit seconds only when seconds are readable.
10.44
